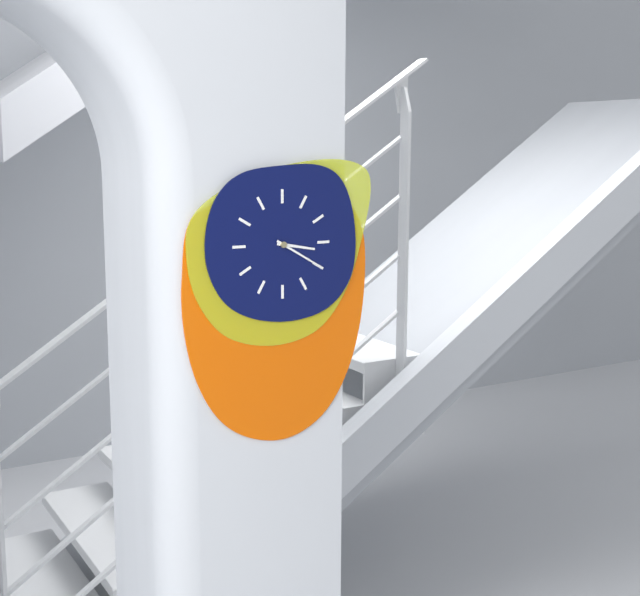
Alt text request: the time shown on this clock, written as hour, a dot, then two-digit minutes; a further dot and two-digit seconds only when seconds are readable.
3.20
